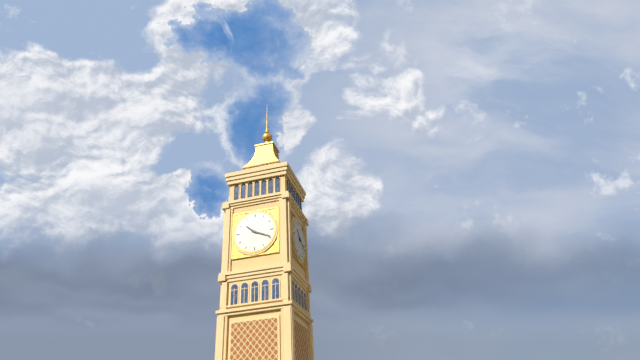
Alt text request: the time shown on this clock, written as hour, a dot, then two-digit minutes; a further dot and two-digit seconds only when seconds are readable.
10.19
